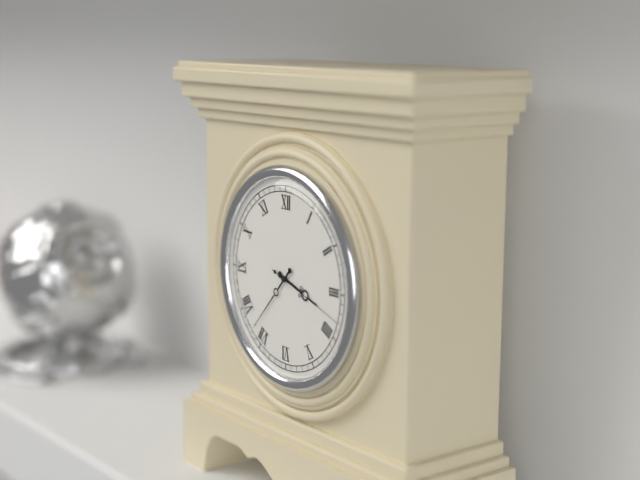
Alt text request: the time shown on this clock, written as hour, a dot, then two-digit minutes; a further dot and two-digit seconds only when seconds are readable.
3.37.18
